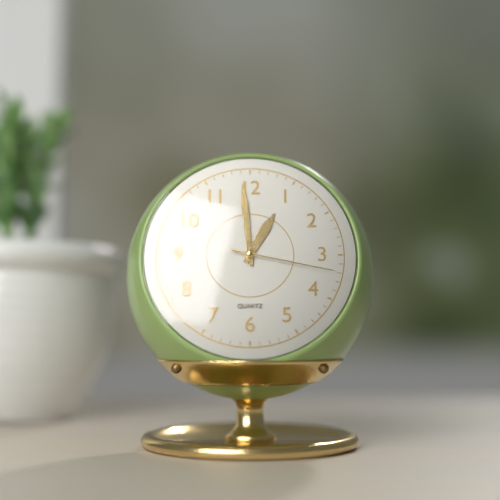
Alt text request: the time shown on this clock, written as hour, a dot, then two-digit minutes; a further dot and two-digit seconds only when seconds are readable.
12.59.17
